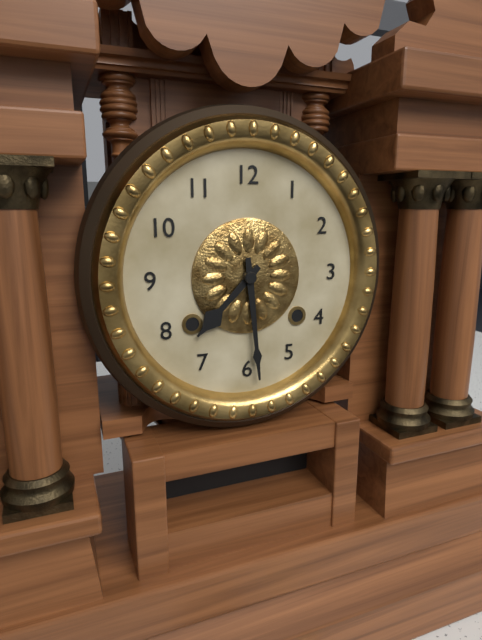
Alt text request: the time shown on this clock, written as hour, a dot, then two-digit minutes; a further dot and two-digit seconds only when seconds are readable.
7.29
